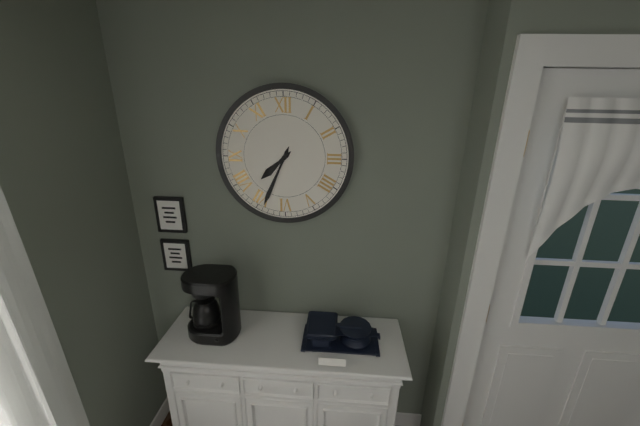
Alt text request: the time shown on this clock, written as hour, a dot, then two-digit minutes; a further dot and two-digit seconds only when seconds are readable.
7.34
